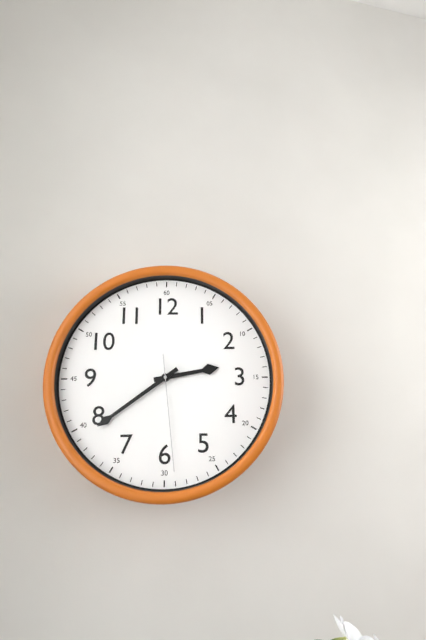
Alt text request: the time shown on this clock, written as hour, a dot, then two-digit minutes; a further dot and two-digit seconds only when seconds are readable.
2.39.29
